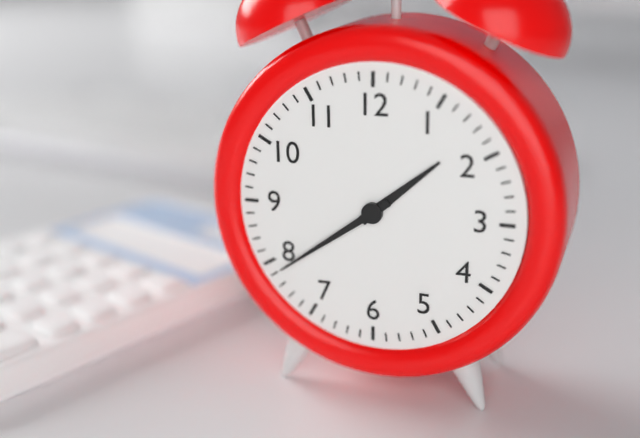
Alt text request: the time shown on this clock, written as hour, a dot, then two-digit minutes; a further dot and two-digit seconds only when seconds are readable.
1.39
